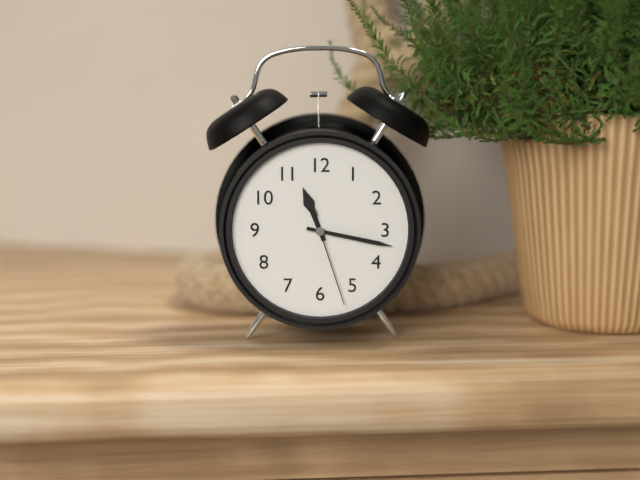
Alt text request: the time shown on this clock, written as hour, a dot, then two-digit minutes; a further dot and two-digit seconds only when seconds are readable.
11.17.27
